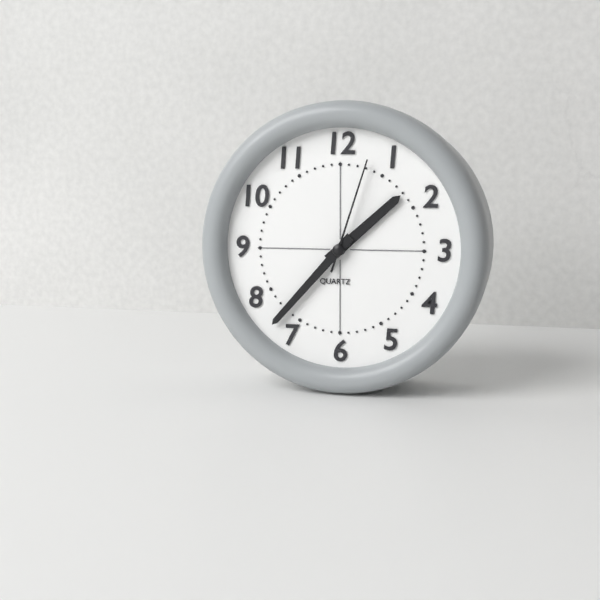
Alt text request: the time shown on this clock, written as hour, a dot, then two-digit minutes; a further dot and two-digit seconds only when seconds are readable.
1.37.03
